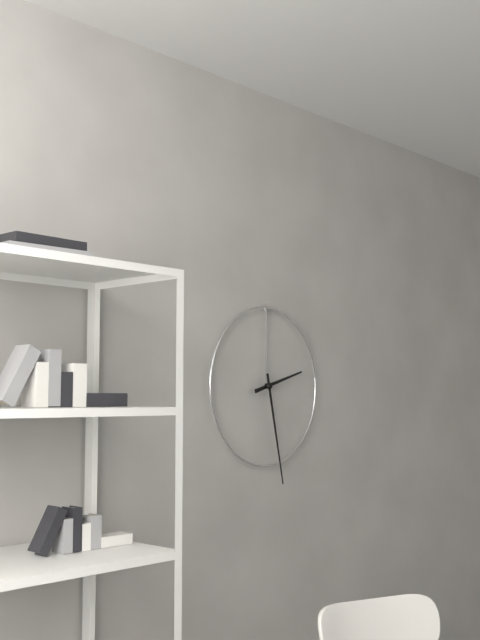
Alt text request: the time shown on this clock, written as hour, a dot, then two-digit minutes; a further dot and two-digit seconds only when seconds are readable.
2.28
